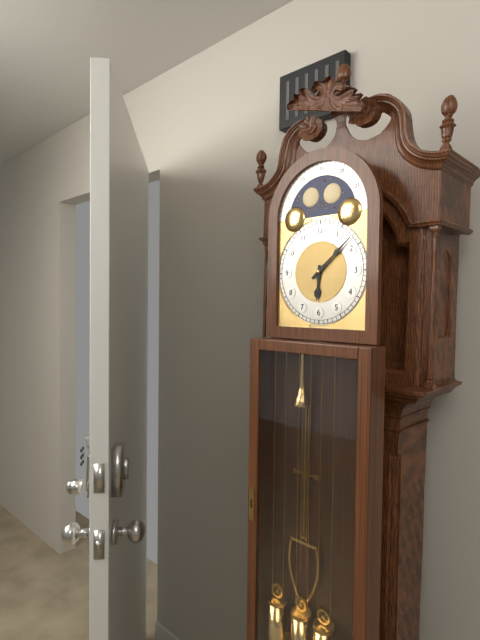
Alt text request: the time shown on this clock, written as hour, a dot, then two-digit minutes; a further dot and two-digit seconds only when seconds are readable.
6.08
